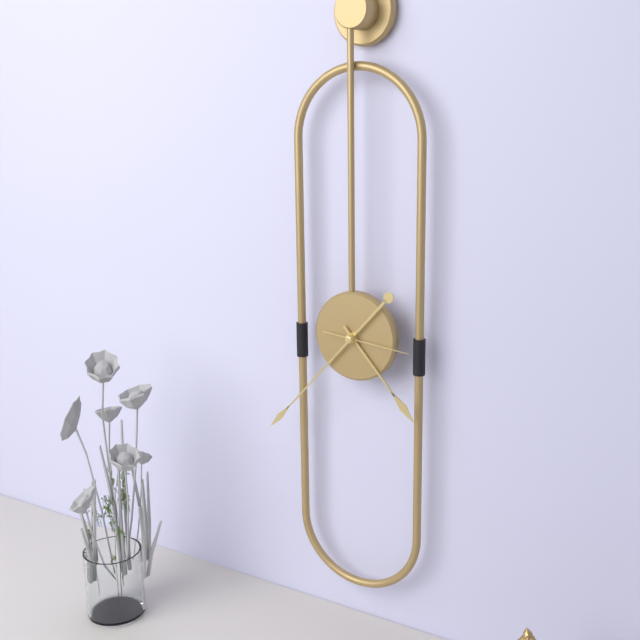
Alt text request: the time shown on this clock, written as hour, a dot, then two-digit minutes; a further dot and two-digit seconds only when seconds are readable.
4.37.16
